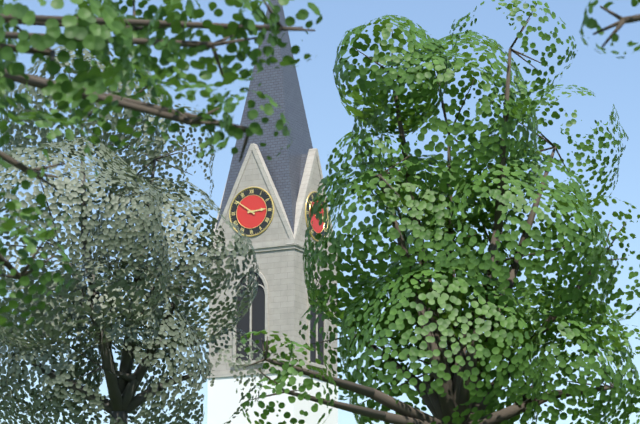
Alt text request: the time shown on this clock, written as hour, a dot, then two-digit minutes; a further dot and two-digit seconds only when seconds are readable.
2.51
